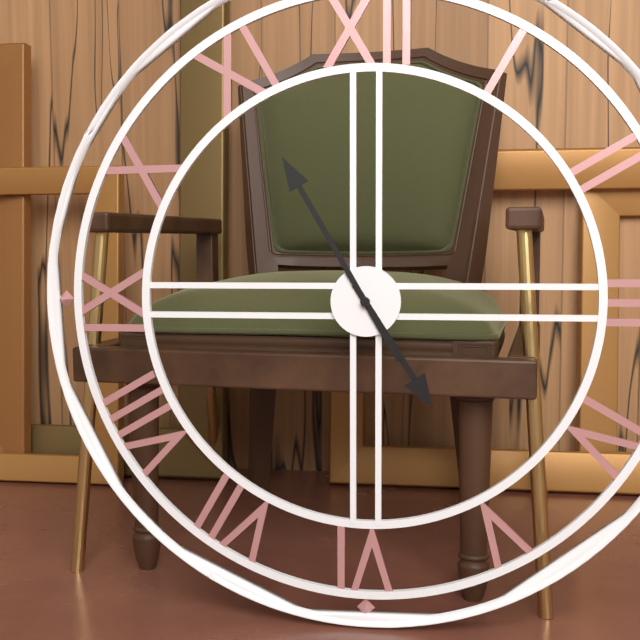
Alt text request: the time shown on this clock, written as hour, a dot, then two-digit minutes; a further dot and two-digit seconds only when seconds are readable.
4.55
